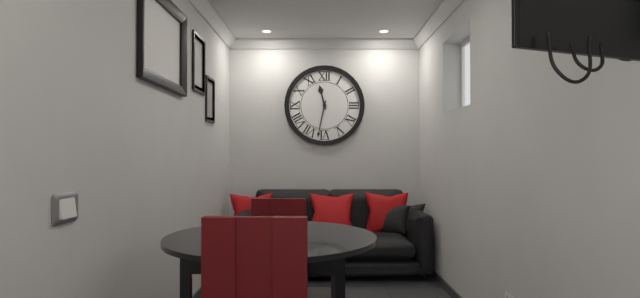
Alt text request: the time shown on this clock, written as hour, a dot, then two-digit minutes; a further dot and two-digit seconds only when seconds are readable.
11.32
